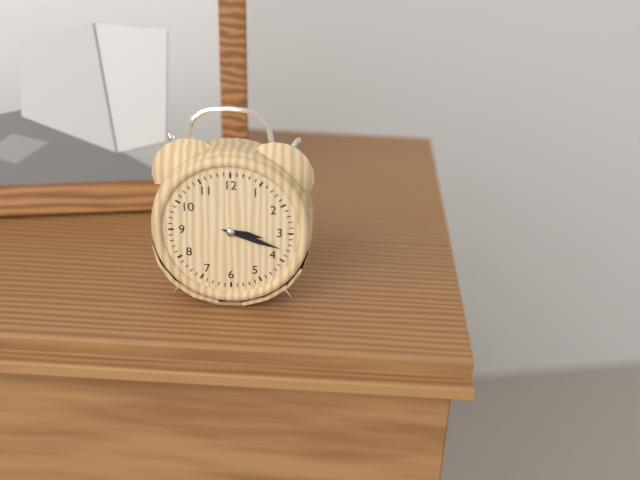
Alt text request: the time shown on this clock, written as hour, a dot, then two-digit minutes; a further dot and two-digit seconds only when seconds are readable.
3.18
